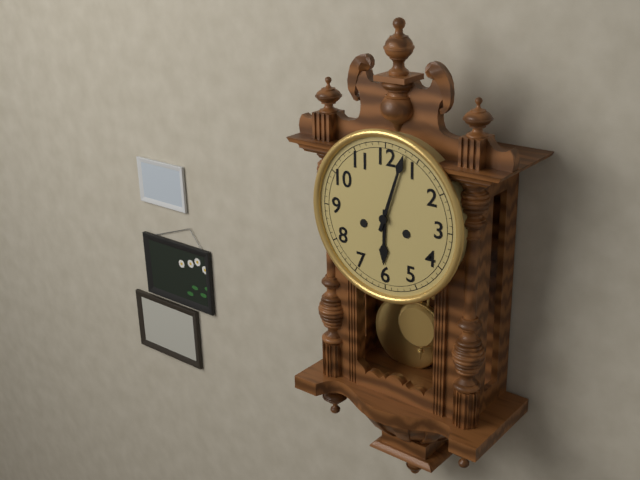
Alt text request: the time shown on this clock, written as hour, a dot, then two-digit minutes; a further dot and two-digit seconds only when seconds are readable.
6.03
